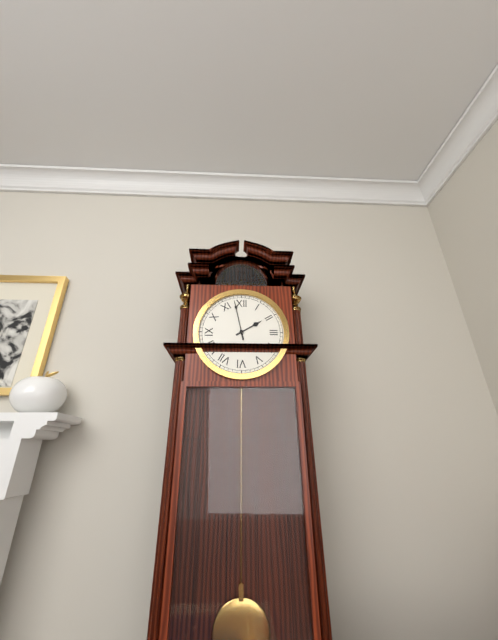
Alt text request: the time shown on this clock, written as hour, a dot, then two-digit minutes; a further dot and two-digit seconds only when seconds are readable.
1.58
